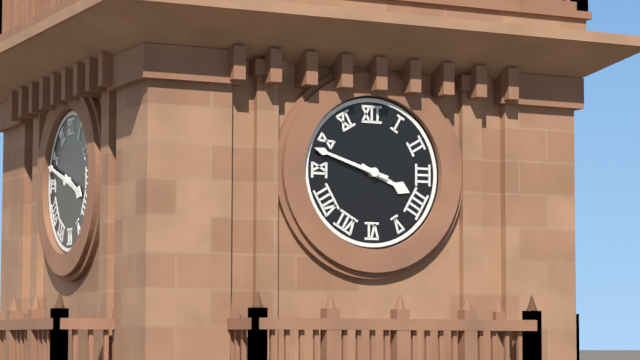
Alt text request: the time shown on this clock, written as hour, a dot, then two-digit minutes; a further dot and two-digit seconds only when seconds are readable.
3.48
